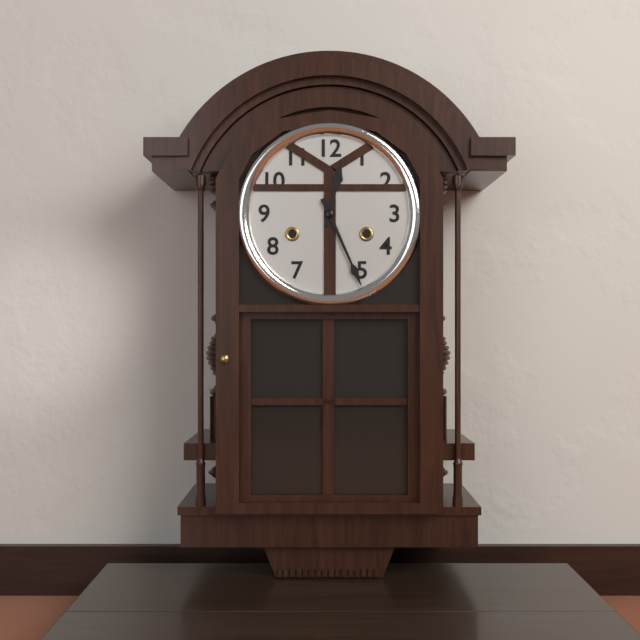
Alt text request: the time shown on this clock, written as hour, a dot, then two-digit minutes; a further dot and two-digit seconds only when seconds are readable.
12.26
